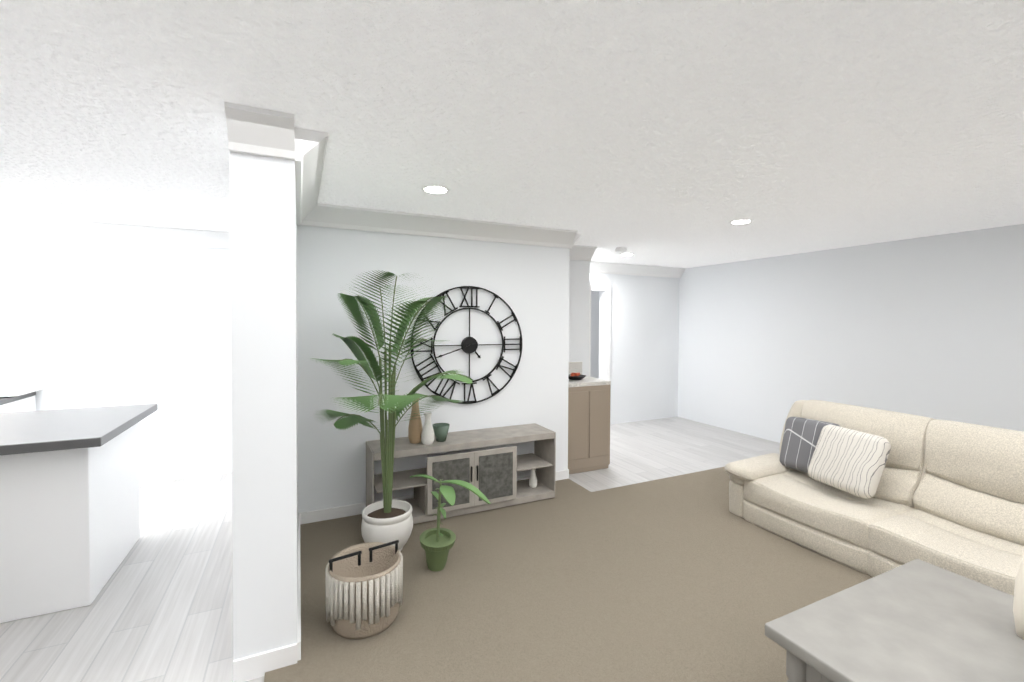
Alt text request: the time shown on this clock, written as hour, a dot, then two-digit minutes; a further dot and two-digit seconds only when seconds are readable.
4.42
